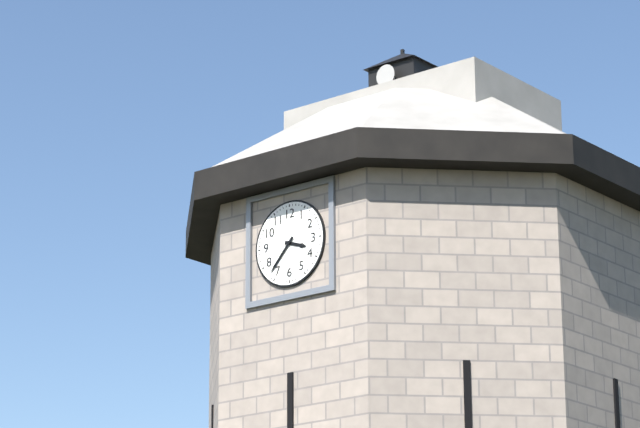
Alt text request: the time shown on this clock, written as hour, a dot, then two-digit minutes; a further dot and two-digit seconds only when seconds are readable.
3.37
